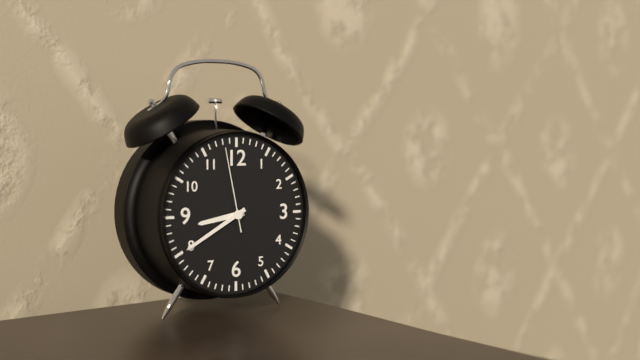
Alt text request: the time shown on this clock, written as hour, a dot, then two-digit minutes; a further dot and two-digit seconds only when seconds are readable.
8.40.58
